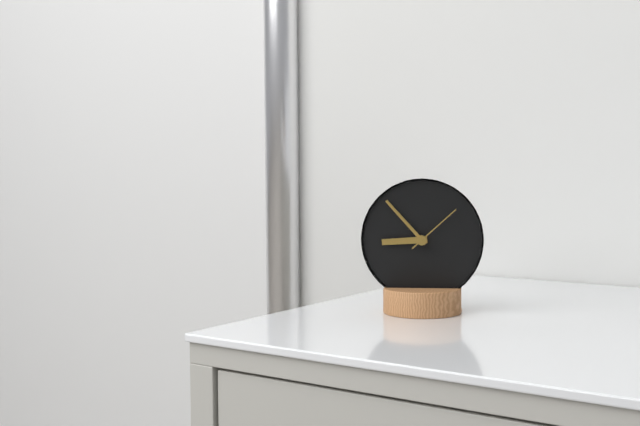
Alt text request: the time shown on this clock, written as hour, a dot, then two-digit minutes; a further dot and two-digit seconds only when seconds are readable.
8.53.08
